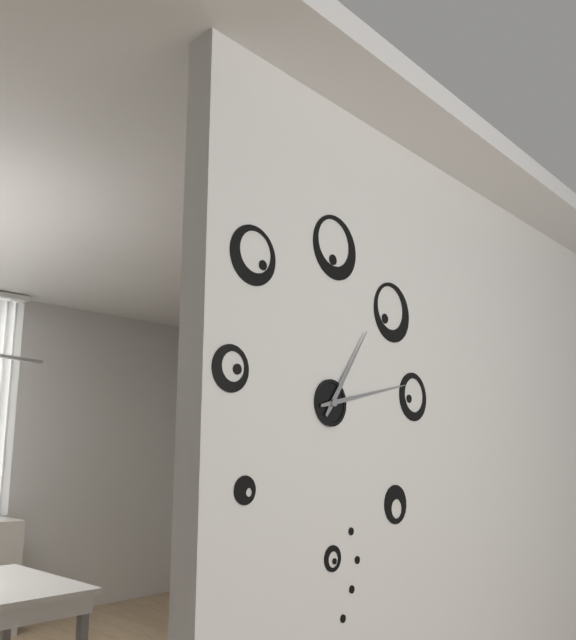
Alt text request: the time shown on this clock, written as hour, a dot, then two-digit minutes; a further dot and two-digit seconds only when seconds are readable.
1.13
